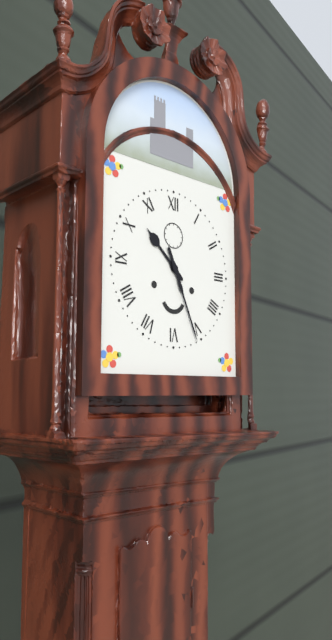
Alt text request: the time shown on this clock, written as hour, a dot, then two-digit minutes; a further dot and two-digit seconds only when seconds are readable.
10.26
